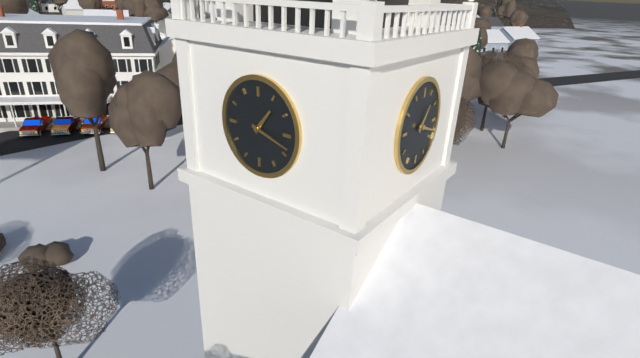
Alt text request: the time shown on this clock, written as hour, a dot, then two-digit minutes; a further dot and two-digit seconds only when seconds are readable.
1.18
